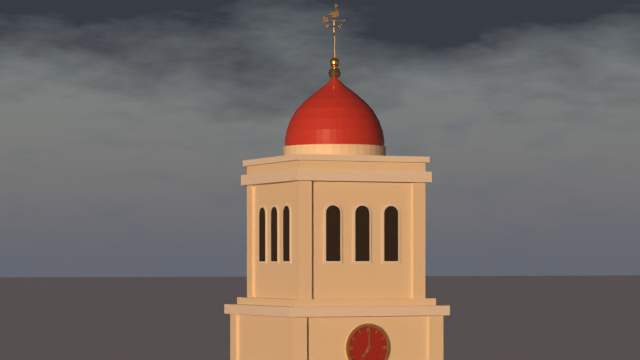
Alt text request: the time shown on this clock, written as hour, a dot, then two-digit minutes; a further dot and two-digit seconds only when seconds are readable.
7.01
